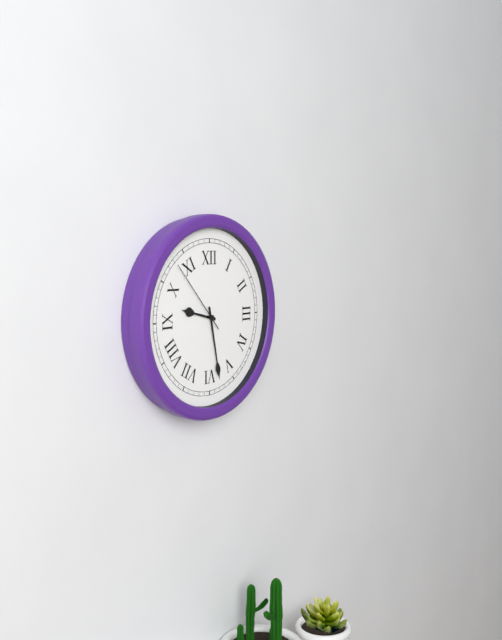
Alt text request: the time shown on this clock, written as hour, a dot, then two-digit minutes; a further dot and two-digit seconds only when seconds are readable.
9.28.53
